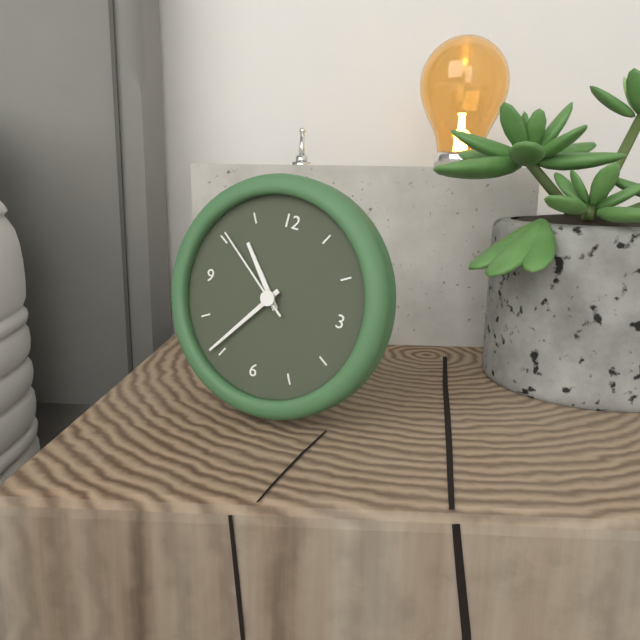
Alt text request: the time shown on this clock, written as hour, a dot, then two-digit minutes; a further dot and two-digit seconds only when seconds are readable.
10.36.51
